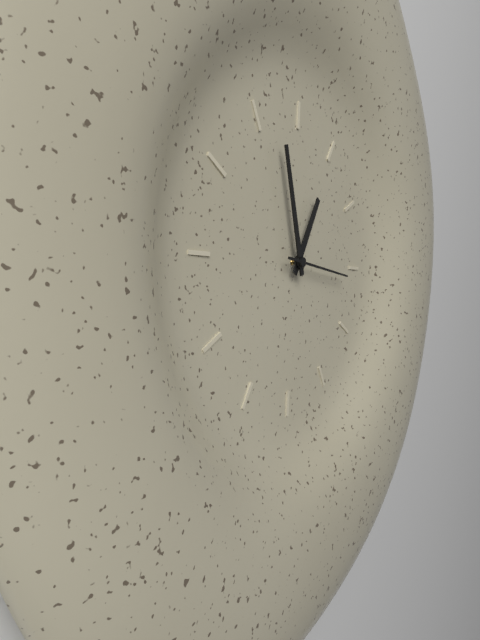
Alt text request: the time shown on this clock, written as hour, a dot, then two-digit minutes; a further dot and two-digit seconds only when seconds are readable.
12.57.16
